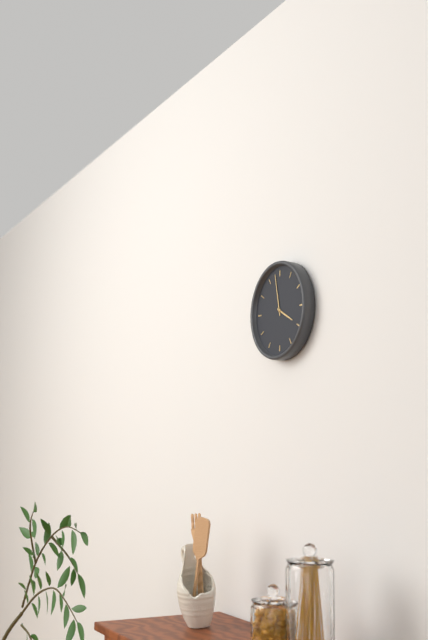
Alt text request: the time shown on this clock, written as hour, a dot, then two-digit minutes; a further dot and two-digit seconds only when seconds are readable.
3.58
